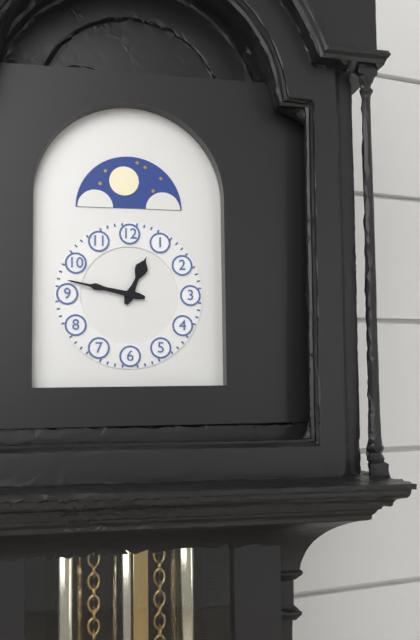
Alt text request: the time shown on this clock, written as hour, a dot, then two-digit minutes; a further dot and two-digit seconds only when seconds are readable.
12.47
